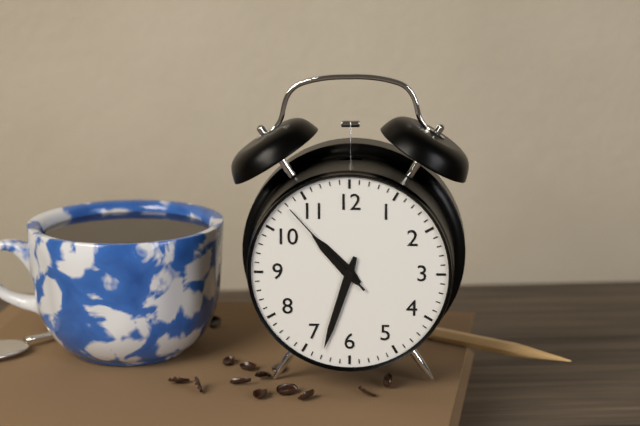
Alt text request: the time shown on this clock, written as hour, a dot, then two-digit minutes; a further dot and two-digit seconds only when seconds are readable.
10.33.53
